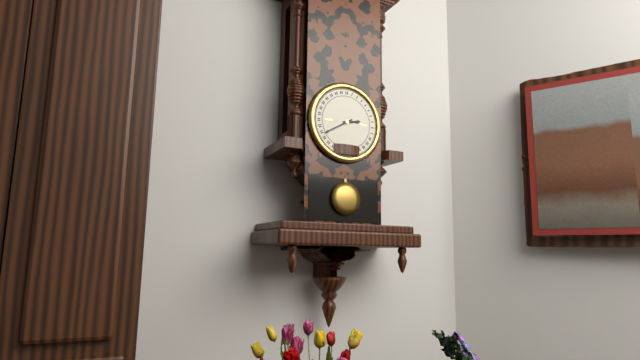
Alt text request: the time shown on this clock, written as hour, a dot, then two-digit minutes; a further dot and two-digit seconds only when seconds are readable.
2.40
